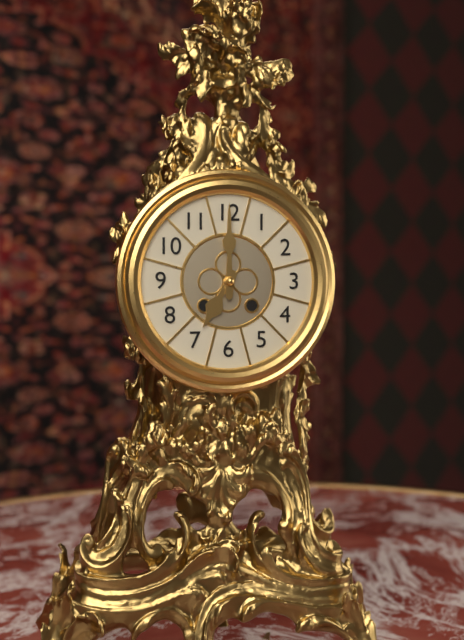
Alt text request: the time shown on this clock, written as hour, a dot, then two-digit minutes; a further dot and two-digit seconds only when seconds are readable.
7.00
